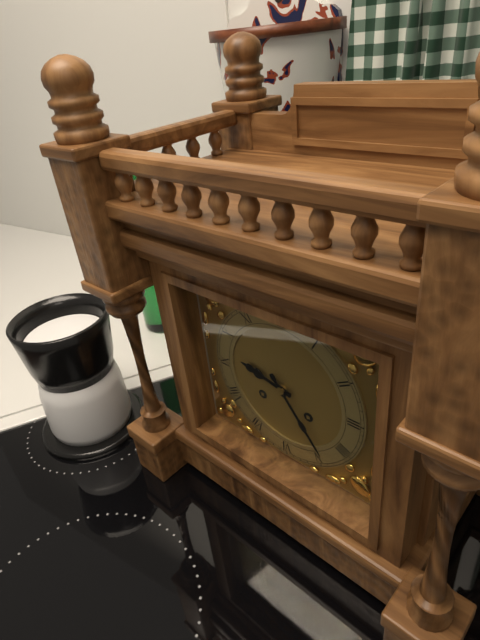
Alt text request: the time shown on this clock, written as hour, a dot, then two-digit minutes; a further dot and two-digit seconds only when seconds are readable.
9.24
